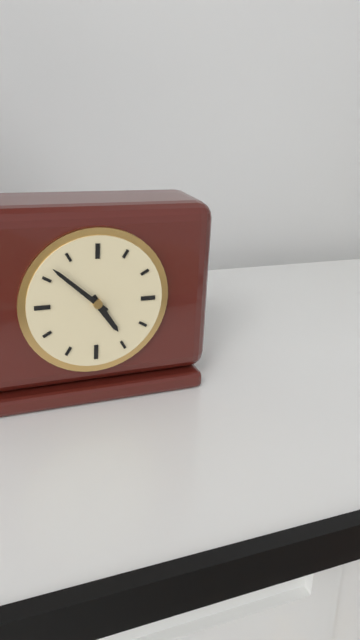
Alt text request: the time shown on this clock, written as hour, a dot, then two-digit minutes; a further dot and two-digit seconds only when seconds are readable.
4.52
